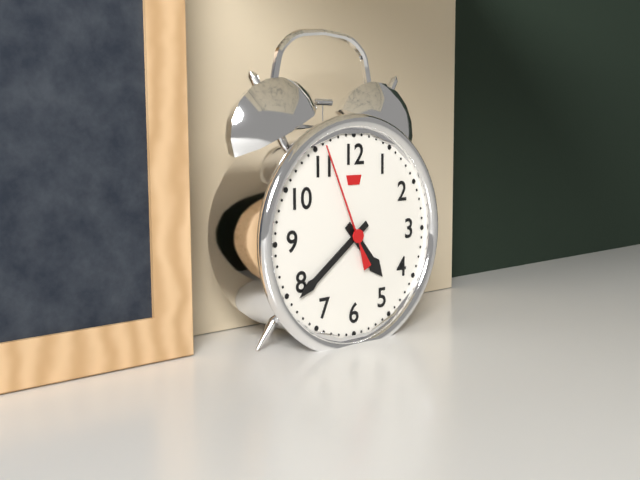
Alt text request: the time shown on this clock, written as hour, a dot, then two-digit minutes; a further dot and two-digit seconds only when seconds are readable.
4.39.56
